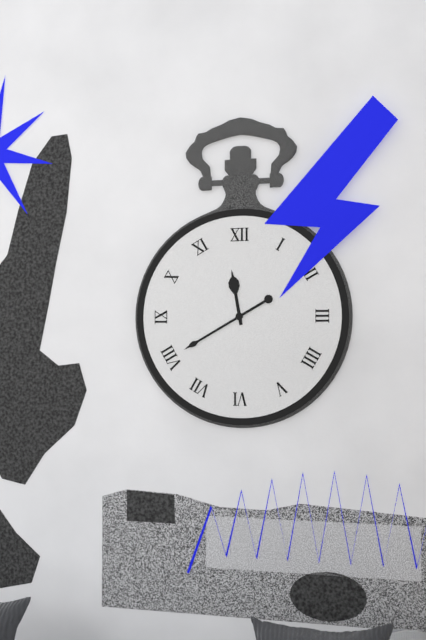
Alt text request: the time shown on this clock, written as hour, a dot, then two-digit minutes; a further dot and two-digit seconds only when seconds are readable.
11.40
